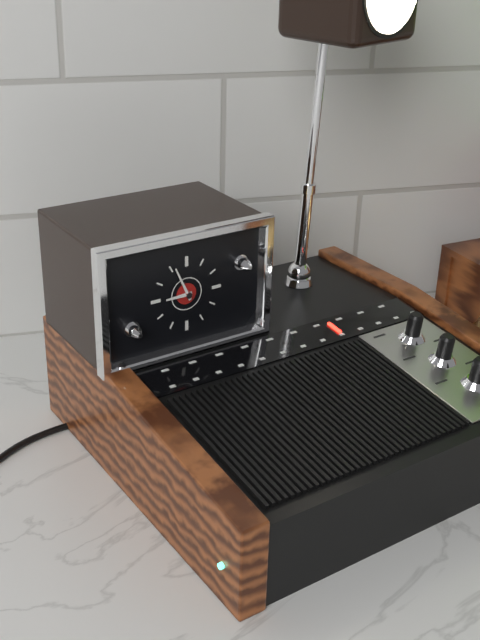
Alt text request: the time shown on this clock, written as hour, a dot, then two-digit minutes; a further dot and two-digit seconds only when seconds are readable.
8.56
